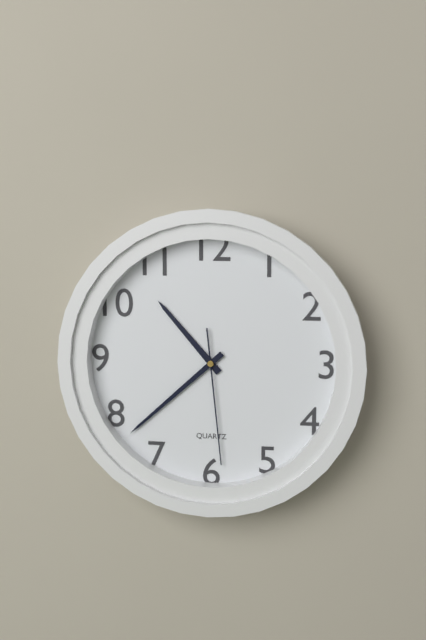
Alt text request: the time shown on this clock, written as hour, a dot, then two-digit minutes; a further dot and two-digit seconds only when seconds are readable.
10.38.29
